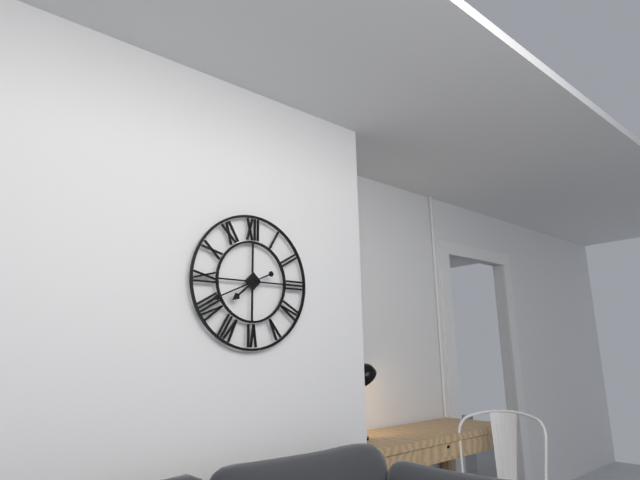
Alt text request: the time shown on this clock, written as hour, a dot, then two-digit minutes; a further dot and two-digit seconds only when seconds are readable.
7.41
